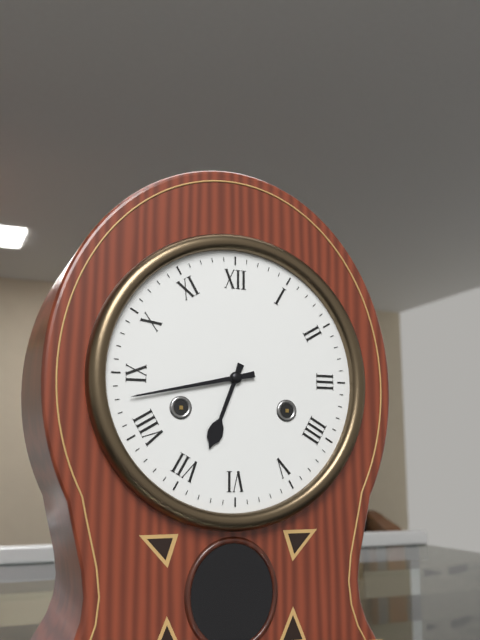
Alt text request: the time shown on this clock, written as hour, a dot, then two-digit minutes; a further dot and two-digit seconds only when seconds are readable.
6.43
